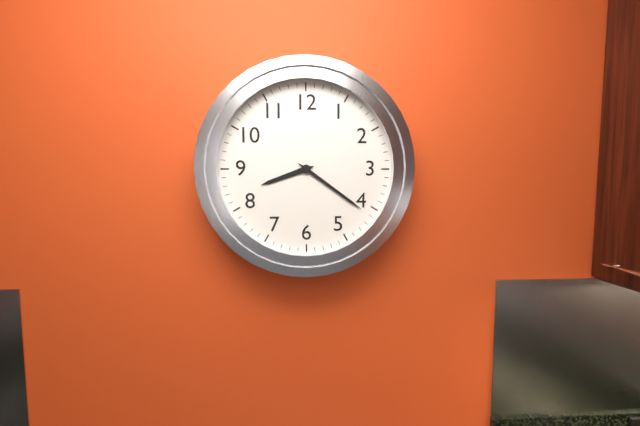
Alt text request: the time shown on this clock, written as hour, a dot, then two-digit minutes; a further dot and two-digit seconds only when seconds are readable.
8.21
